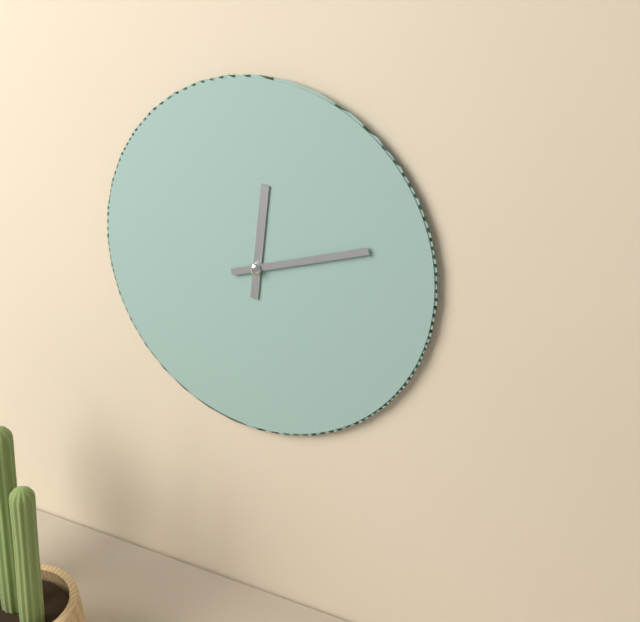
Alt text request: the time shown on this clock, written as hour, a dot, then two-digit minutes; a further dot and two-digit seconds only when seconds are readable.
12.12
